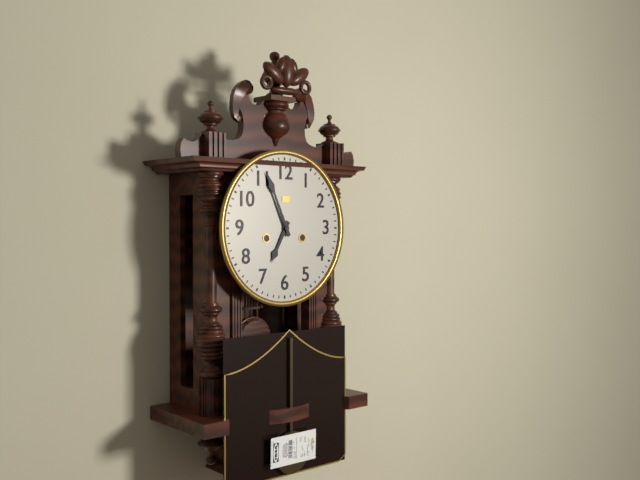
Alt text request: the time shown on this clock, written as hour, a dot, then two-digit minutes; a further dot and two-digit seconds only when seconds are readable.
6.56
